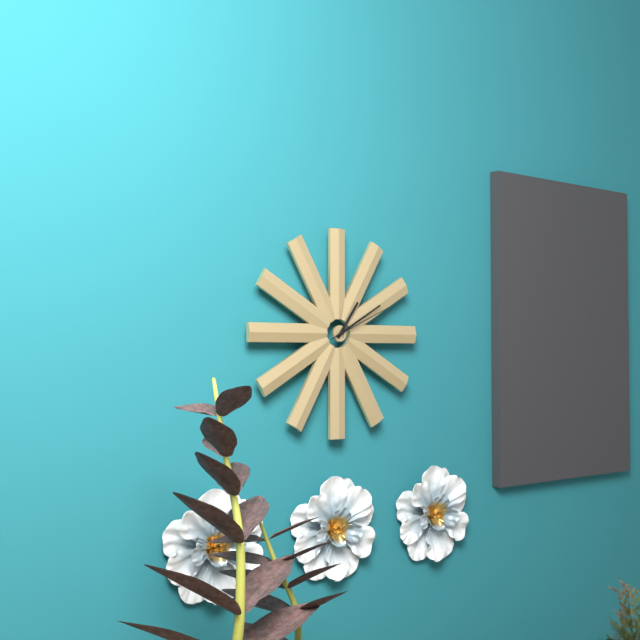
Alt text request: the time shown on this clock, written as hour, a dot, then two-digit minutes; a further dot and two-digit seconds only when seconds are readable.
1.10.11
